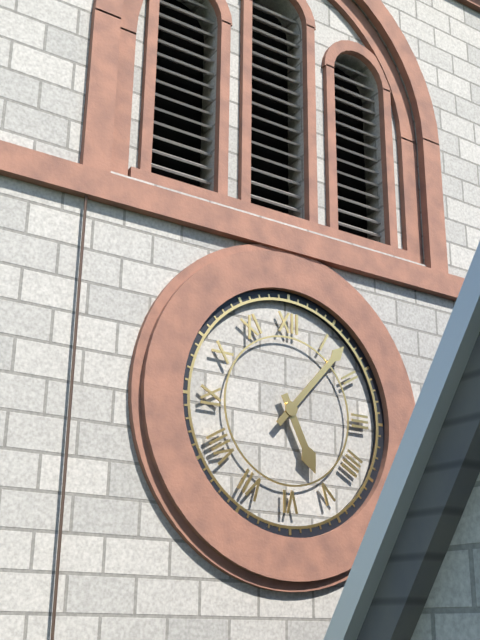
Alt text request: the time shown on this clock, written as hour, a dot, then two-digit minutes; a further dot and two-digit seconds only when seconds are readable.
5.07
